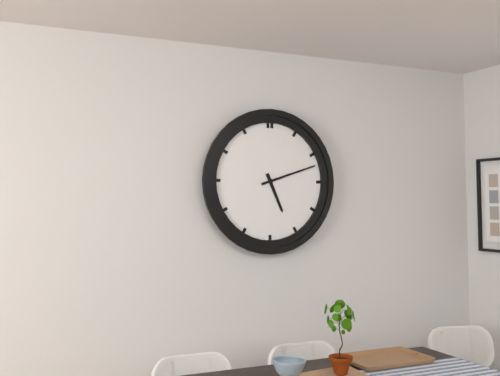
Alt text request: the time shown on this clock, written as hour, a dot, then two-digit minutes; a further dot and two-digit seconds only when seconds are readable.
5.12
